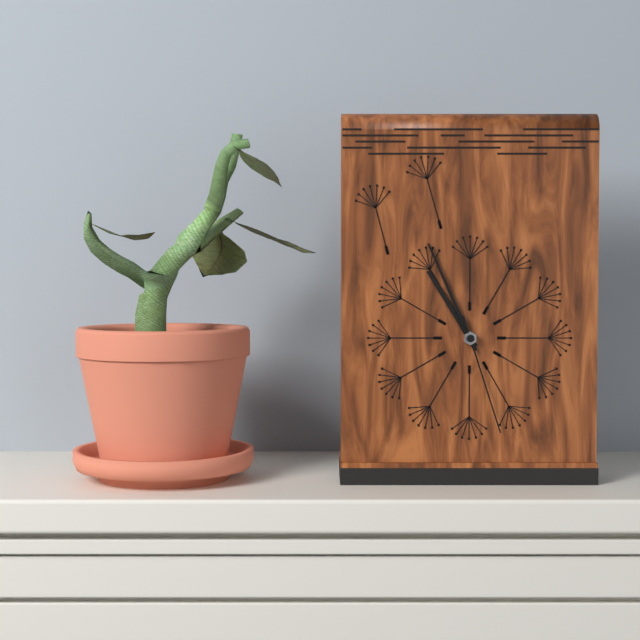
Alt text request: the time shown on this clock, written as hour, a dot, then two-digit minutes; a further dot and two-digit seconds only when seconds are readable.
10.56.27
